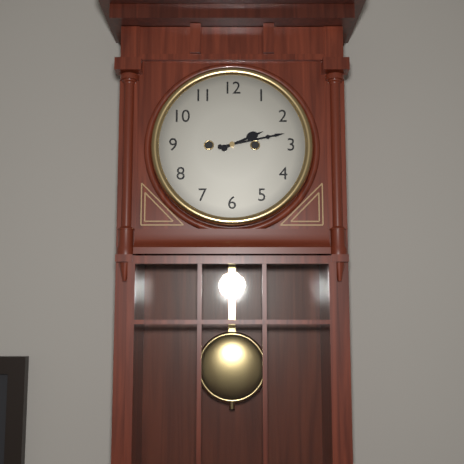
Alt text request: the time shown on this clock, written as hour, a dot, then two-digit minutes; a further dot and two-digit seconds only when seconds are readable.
2.13
